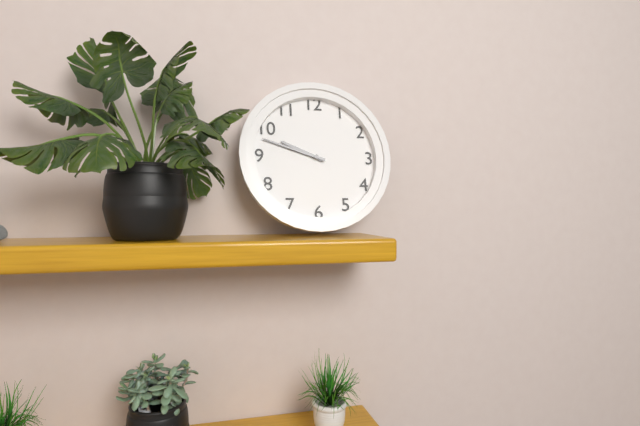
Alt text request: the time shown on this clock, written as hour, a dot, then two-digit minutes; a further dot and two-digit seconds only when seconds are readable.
9.48
